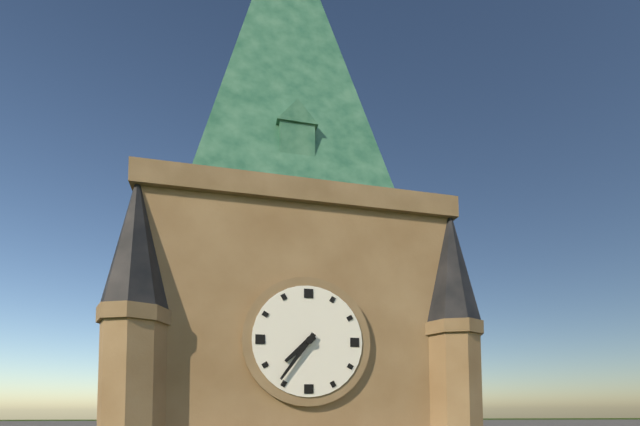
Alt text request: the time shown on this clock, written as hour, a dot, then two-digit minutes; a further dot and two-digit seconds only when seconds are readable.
7.36
